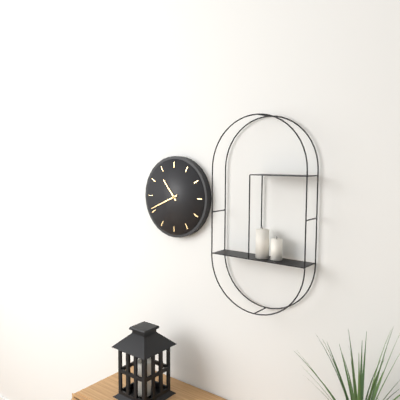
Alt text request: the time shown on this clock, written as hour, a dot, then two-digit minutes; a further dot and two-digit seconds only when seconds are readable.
10.41
